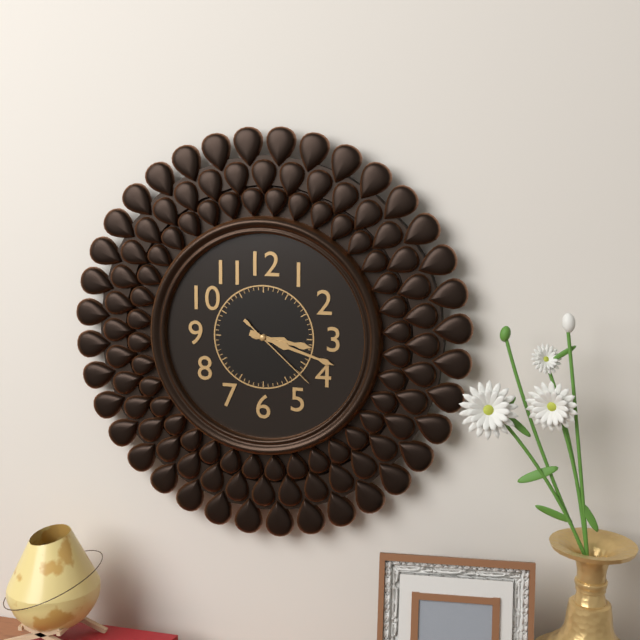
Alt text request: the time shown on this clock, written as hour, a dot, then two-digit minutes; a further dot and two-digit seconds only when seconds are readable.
3.18.22
